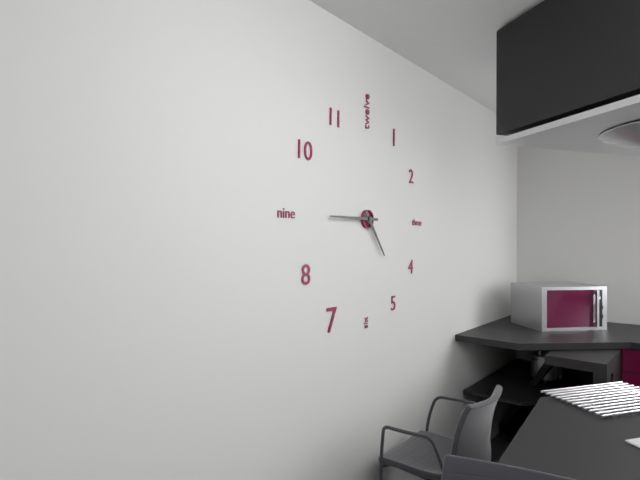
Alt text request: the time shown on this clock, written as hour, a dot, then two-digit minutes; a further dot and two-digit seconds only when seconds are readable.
4.45
